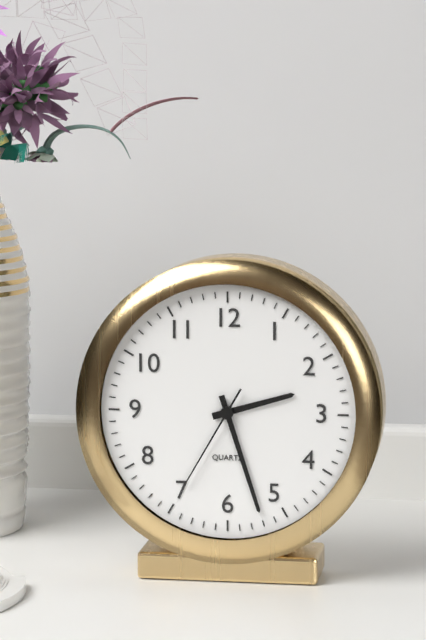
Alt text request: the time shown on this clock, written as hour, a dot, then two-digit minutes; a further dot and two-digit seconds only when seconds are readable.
2.27.35
